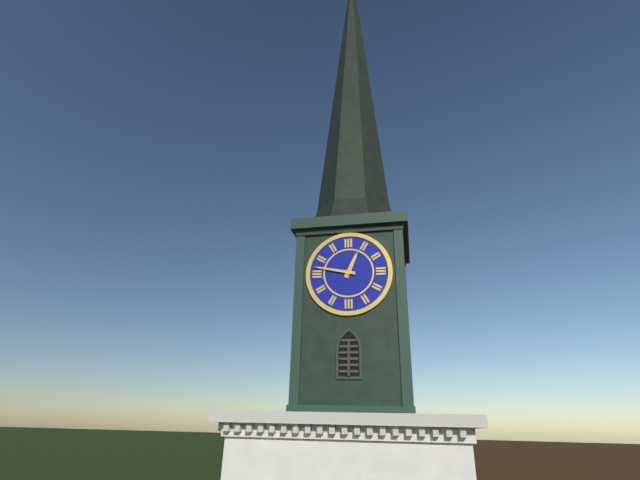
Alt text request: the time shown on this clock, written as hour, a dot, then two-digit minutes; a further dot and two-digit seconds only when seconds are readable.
12.47
